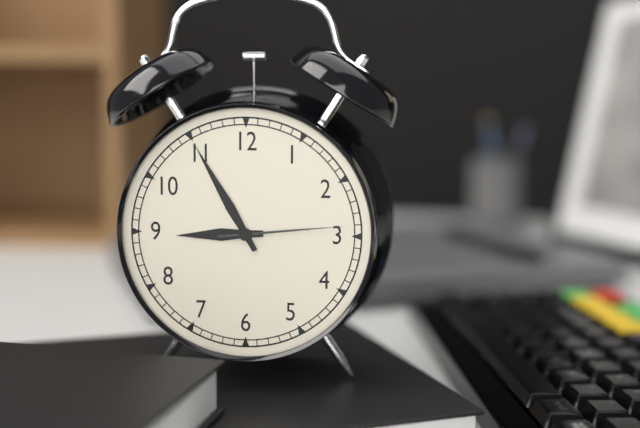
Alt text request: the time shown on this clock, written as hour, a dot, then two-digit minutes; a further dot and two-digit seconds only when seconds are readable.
8.55.14
